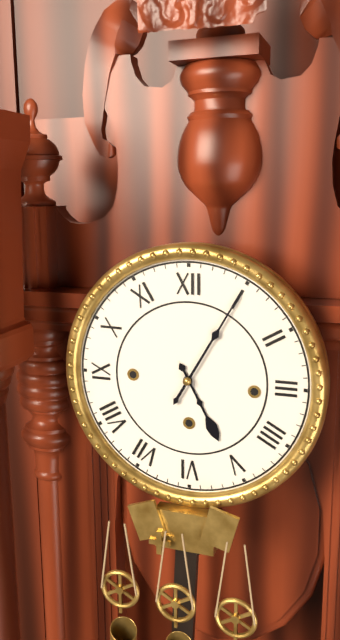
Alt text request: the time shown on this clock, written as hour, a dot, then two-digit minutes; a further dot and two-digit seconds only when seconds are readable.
5.05
